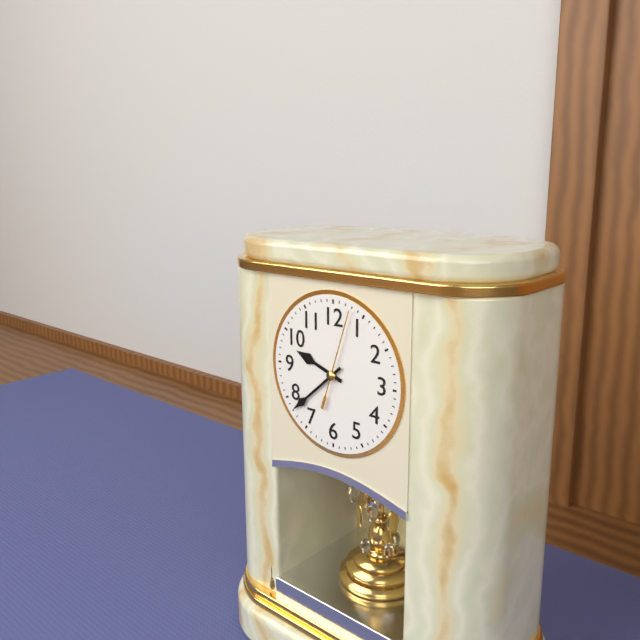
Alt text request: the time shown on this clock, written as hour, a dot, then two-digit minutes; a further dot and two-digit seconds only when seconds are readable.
9.38.03
